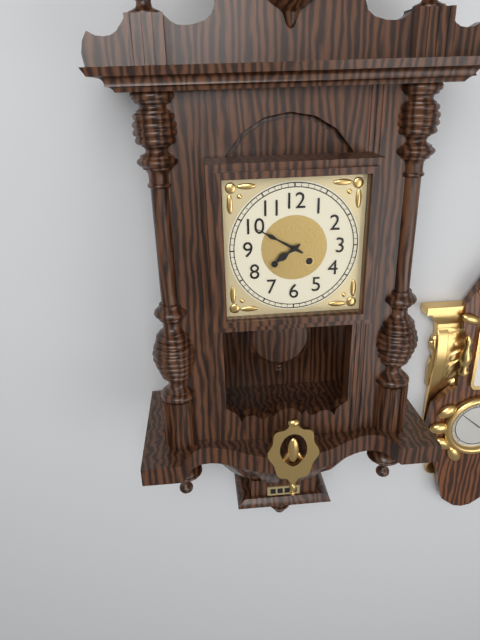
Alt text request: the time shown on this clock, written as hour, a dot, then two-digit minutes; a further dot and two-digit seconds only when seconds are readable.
7.50
